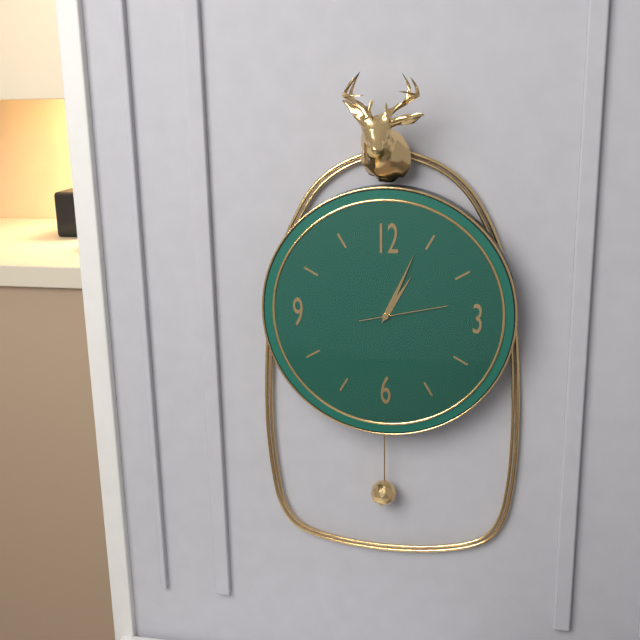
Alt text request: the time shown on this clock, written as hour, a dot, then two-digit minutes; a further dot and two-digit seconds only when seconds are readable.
1.04.13
